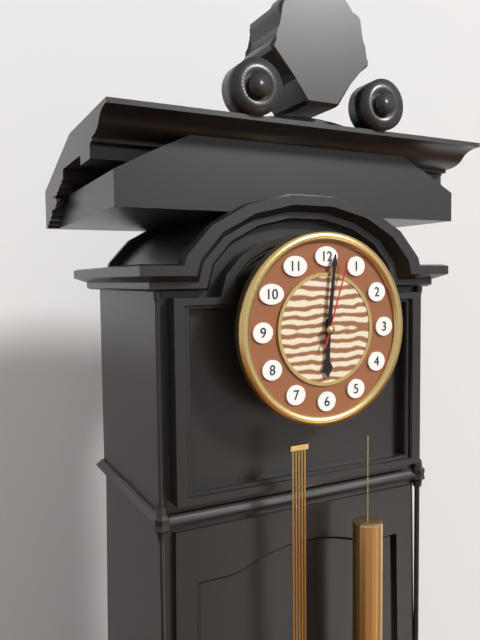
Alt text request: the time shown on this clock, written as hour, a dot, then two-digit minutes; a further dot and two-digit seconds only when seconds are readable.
6.01.03
